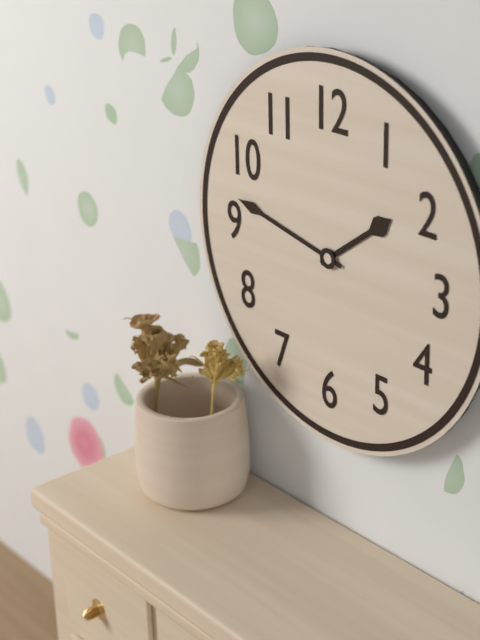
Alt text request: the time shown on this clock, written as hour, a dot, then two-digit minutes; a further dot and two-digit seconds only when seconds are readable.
1.47
